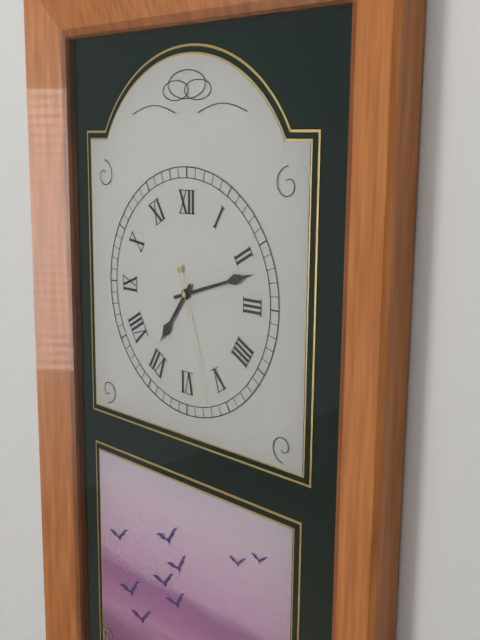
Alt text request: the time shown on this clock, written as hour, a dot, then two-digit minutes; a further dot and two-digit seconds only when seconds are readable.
7.12.27
